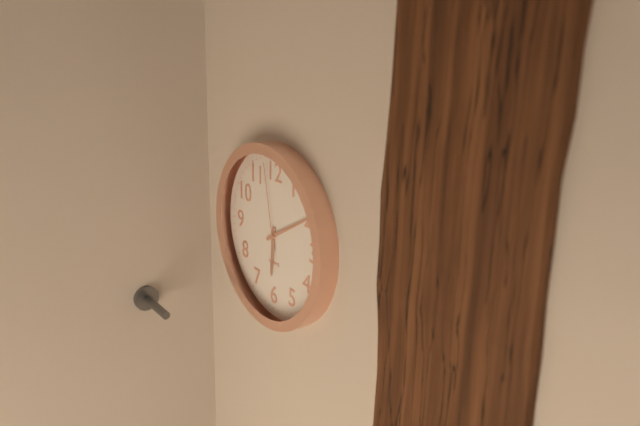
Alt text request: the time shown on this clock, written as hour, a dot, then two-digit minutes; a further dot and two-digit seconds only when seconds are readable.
6.10.58
